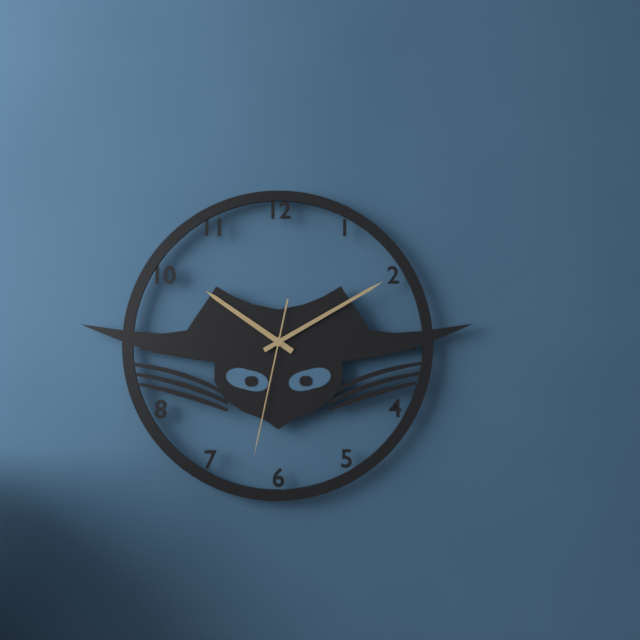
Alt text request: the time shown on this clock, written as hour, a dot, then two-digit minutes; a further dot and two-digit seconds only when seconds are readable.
10.10.32
